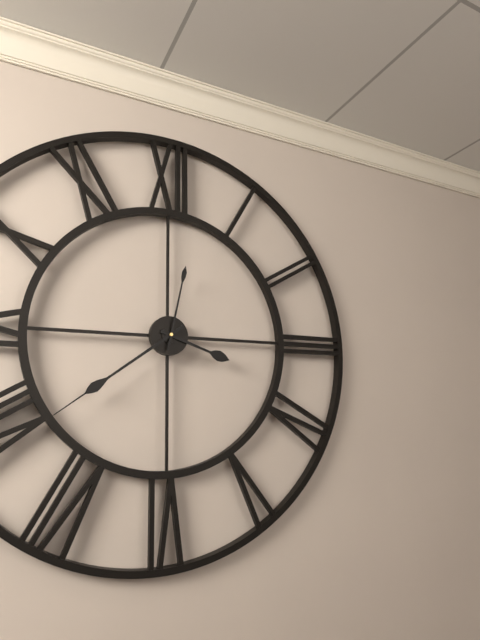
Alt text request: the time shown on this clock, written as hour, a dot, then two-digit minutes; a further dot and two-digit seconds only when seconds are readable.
3.39.02
